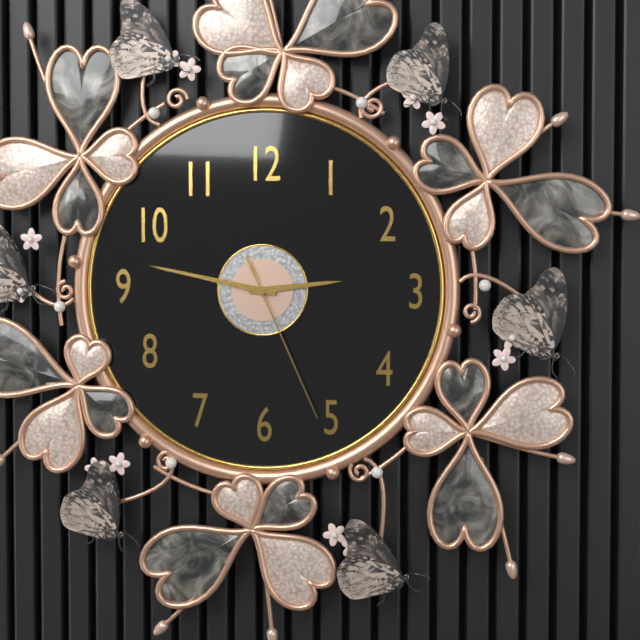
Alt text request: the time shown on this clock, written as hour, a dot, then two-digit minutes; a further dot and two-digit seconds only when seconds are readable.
2.47.26
